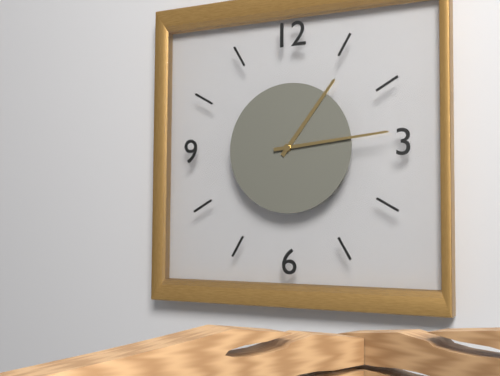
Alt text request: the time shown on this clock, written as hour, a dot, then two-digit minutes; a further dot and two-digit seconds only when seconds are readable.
1.14
